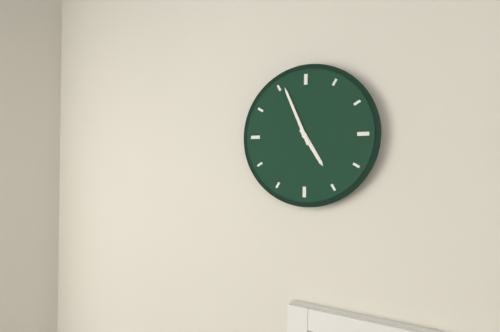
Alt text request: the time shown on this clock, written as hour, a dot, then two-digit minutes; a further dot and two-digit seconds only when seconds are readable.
4.56
